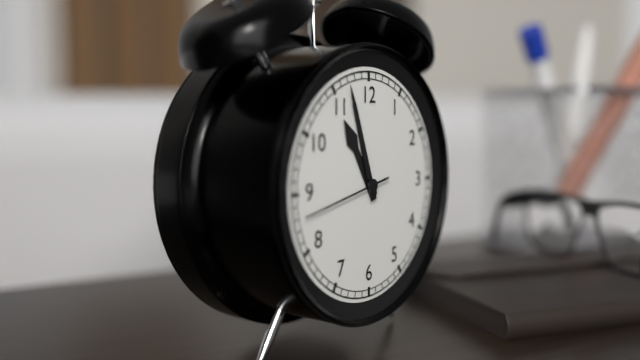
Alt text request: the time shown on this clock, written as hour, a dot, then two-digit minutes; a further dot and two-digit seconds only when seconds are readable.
10.57.43
